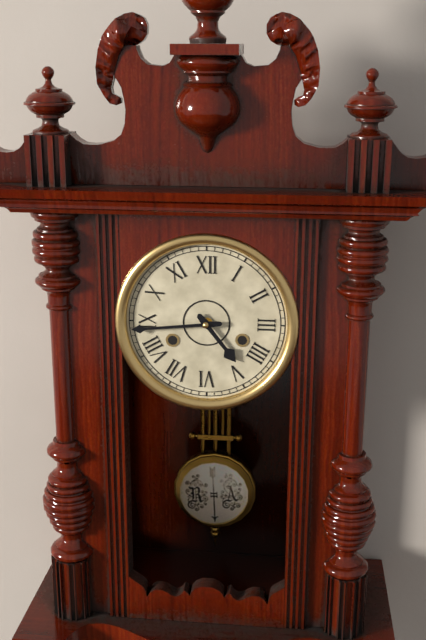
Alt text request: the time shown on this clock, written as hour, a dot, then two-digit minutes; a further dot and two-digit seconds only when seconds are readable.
4.44
